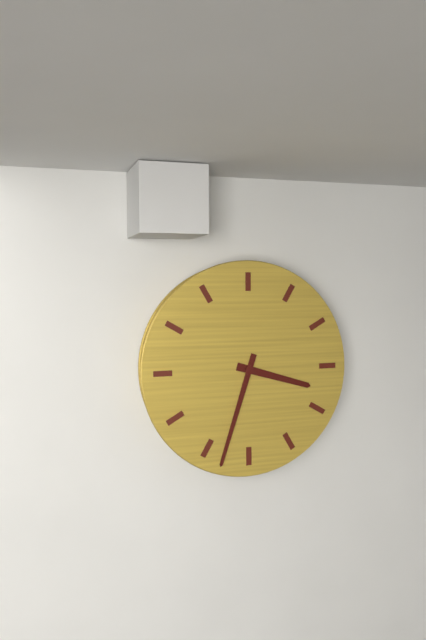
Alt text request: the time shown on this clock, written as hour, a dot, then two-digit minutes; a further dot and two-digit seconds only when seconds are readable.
3.33
